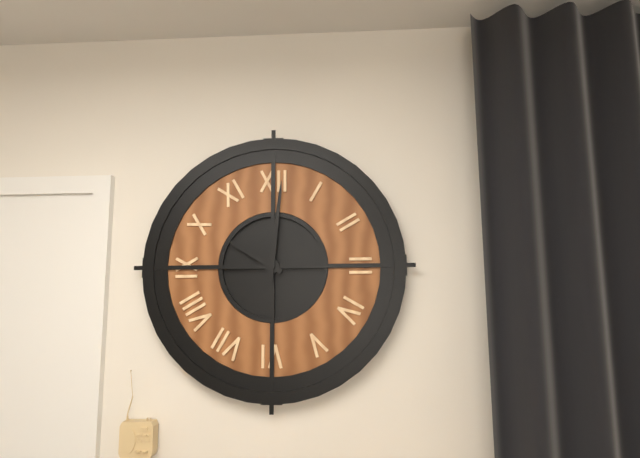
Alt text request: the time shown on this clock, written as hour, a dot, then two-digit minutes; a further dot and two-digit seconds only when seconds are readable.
10.01
